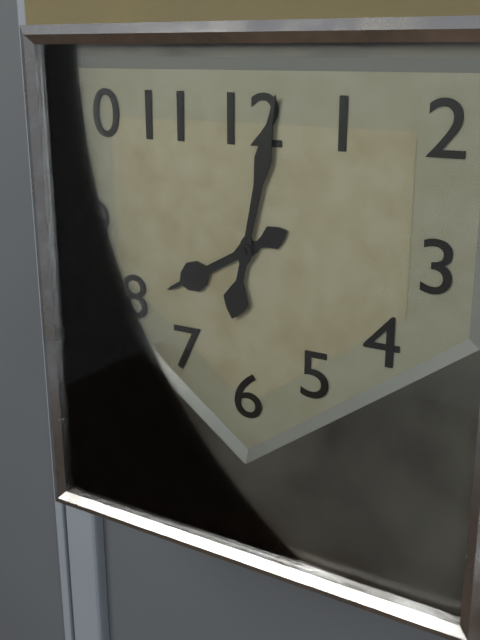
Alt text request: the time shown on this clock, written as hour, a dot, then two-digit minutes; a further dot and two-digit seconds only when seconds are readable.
8.02
